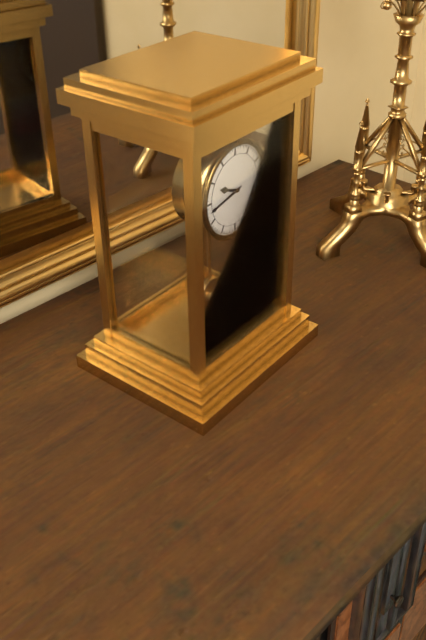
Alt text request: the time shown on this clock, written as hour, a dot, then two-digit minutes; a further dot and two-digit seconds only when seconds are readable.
9.43
